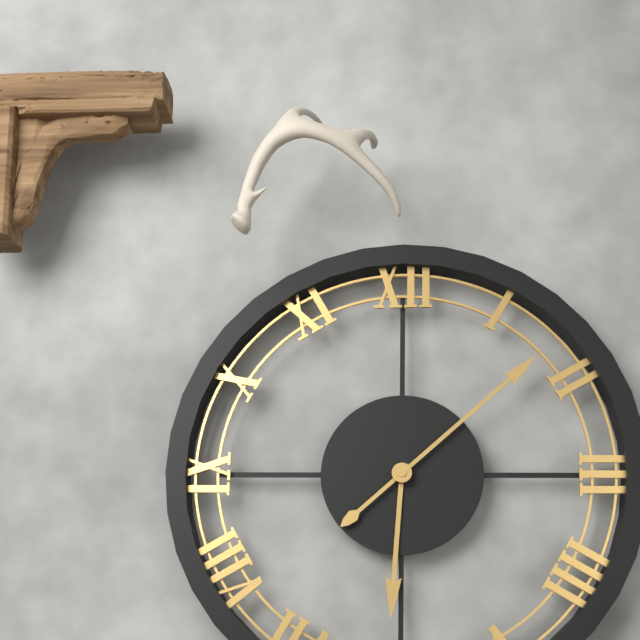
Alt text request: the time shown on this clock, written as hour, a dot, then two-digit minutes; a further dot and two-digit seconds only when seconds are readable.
6.08
